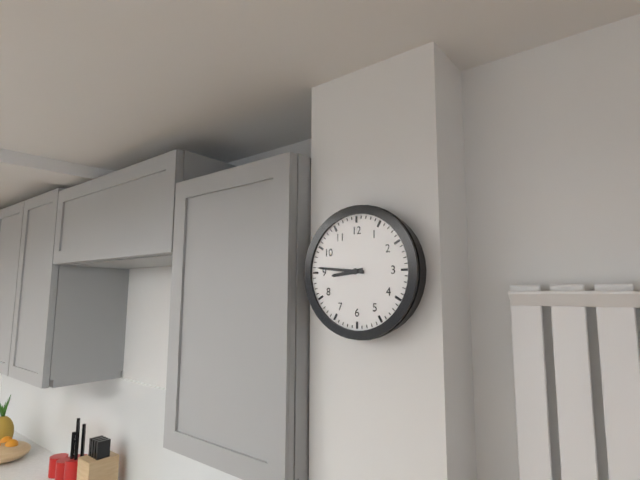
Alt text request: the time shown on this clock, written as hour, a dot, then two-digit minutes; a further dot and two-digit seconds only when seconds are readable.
8.46
